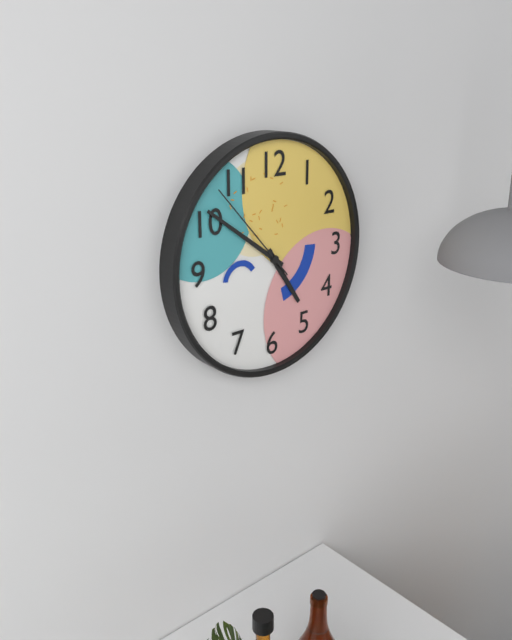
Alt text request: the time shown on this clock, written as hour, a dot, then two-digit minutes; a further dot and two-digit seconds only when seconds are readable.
4.51.53
